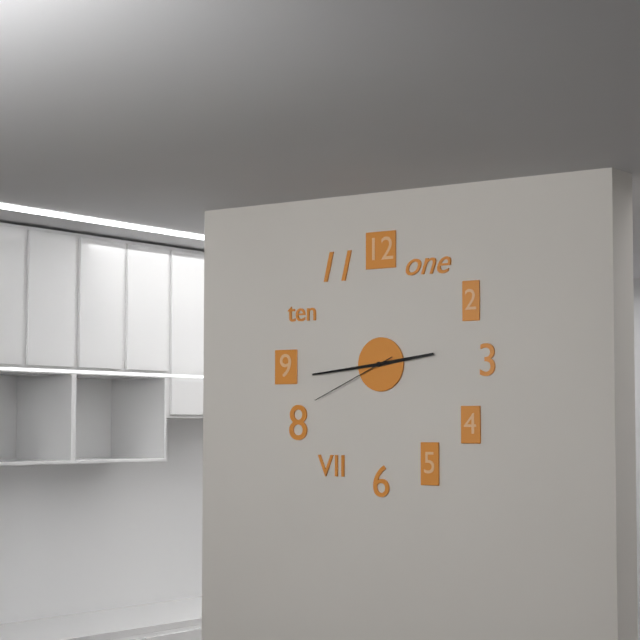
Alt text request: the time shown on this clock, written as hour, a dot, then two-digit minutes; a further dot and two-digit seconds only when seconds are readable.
2.44.41
